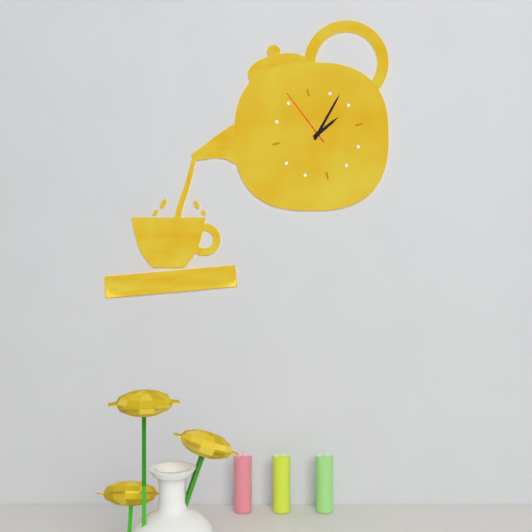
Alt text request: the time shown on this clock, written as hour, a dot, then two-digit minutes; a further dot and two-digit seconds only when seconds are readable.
2.07.56
